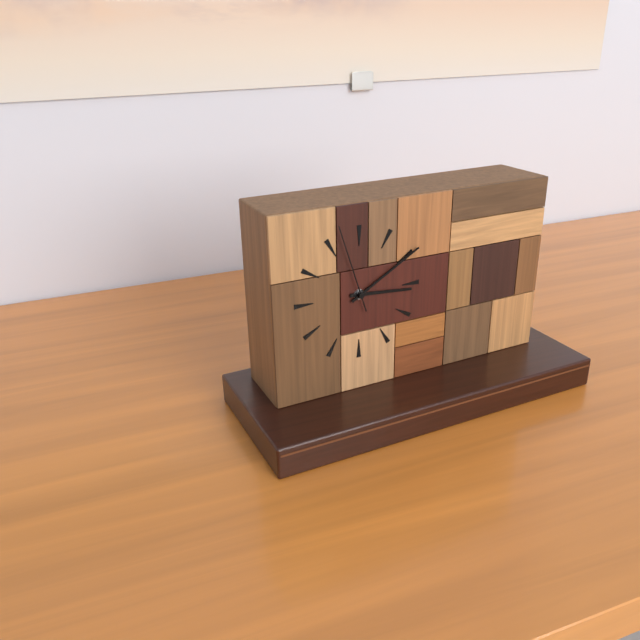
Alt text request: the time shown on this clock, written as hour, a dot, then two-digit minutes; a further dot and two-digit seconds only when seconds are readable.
3.10.57
